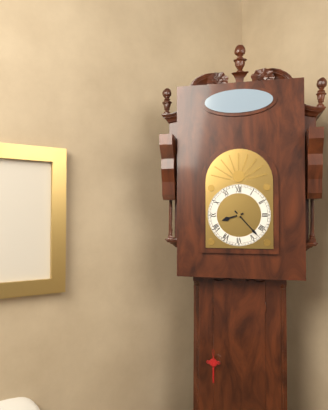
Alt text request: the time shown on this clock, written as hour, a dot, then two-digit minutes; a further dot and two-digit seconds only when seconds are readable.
8.23
